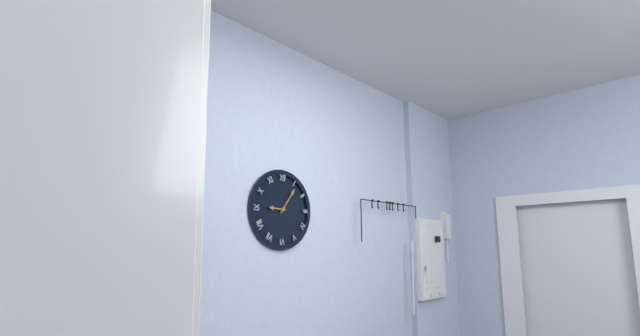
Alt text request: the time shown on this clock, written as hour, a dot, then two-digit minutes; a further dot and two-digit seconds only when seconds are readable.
9.06
